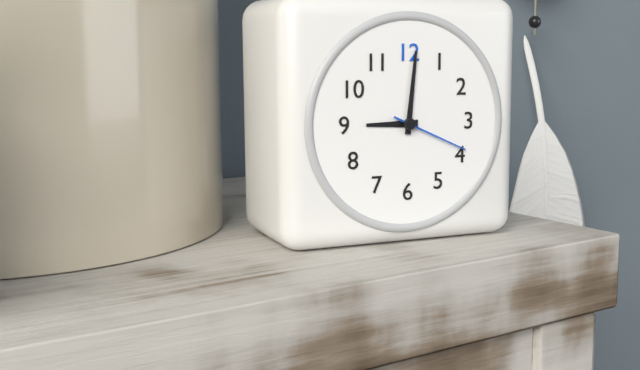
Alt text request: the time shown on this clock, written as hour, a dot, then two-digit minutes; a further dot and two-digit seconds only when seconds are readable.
9.01.19
